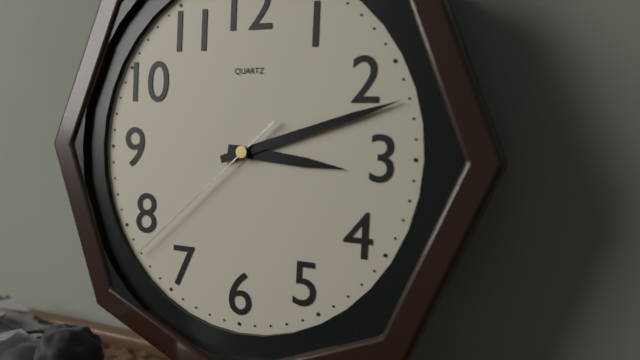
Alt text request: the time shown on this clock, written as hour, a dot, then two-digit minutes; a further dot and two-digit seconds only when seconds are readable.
3.12.38
